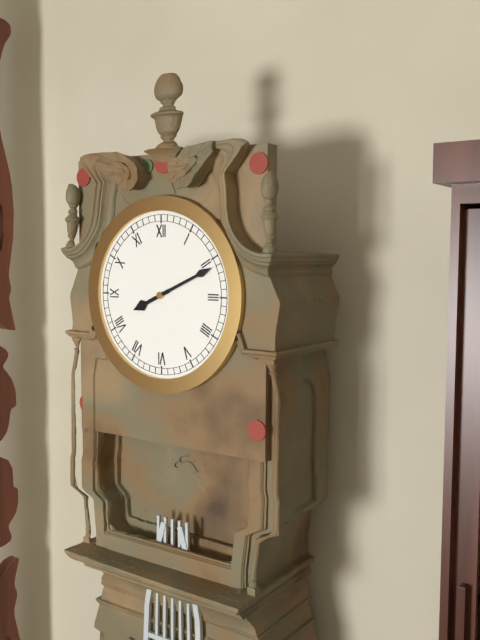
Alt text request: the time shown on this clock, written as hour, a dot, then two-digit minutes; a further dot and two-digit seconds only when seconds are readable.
8.11
